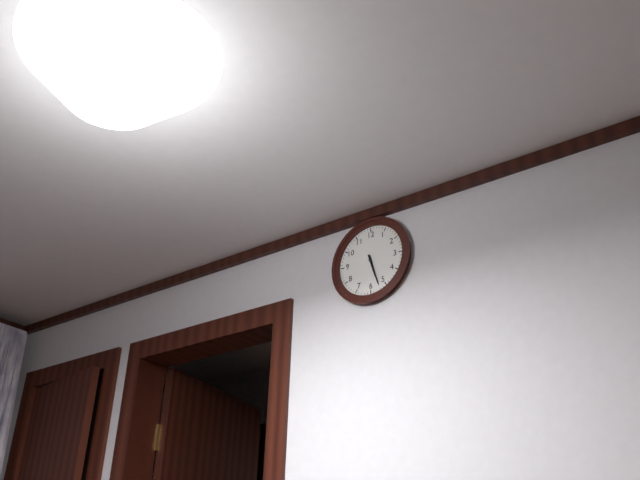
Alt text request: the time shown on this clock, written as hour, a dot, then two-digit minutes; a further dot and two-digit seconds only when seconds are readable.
5.27
